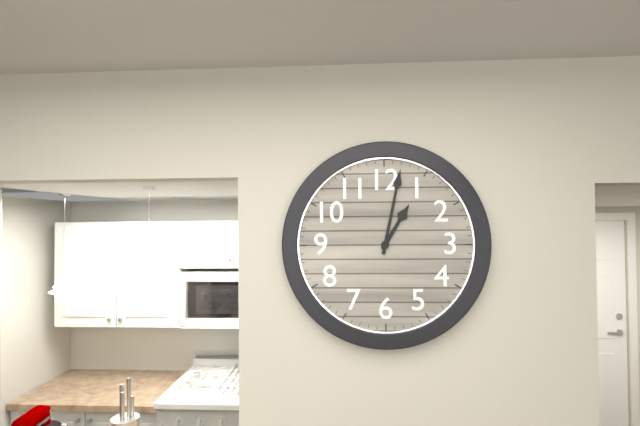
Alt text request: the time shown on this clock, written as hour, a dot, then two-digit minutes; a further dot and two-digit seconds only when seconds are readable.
1.02
